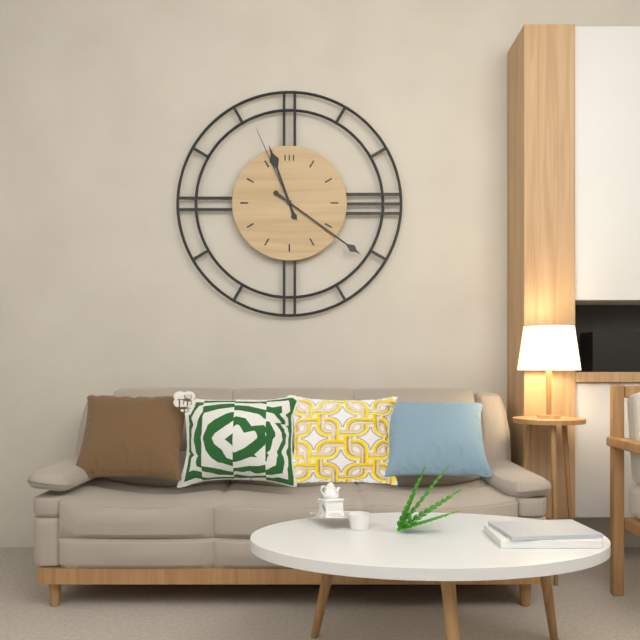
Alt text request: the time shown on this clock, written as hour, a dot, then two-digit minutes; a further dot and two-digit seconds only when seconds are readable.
11.21.56
